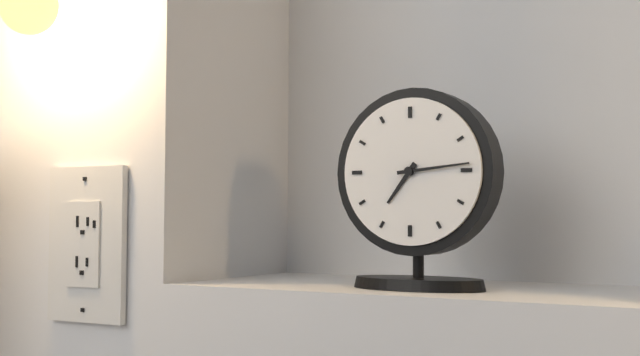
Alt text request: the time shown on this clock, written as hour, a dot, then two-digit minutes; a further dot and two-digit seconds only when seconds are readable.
7.14
